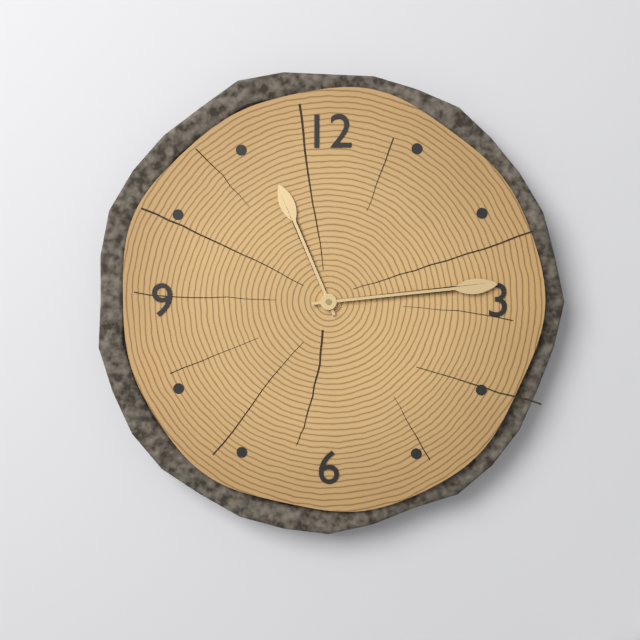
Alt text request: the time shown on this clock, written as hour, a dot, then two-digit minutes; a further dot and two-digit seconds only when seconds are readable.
11.14
